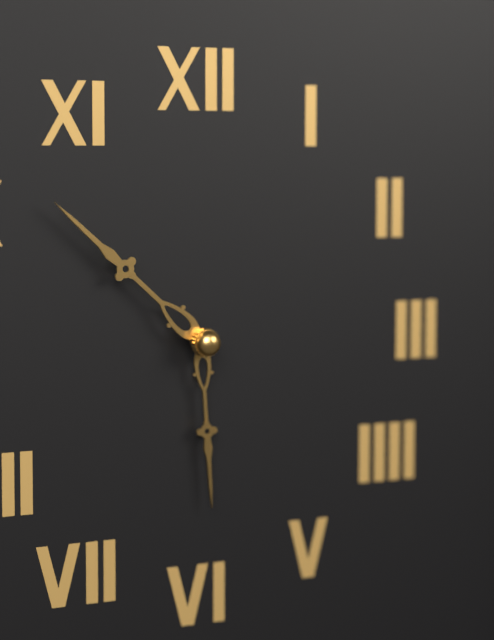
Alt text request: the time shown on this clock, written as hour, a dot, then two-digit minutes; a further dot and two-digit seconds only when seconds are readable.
5.52
